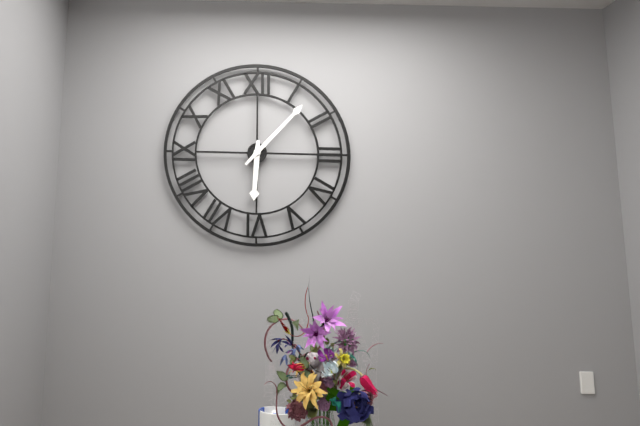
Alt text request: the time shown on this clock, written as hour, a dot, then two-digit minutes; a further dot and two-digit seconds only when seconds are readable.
6.07
